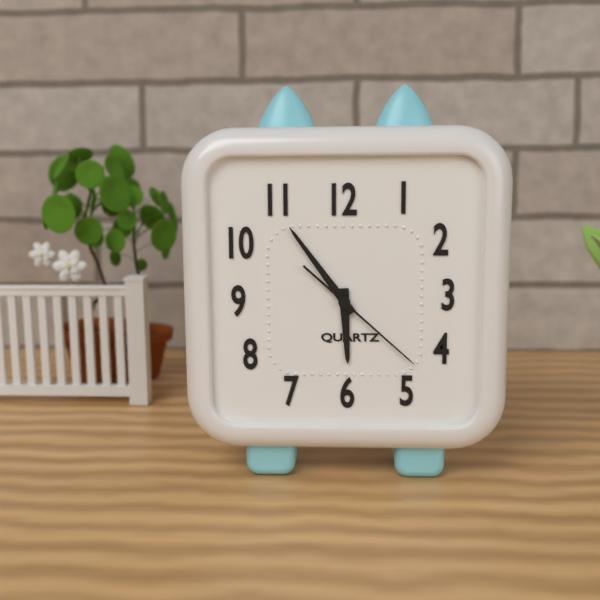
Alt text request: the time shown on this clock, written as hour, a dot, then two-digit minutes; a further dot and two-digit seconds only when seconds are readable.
5.54.22
